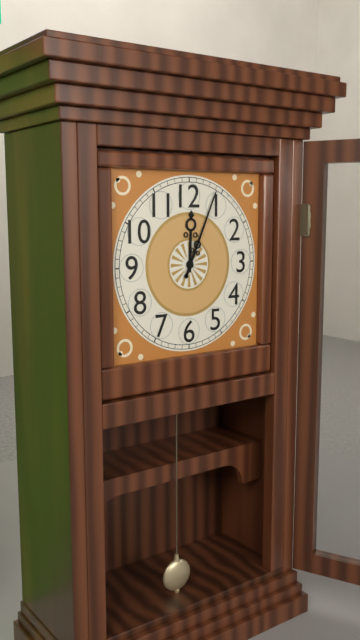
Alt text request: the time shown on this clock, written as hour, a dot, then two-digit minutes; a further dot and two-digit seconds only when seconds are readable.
12.04
